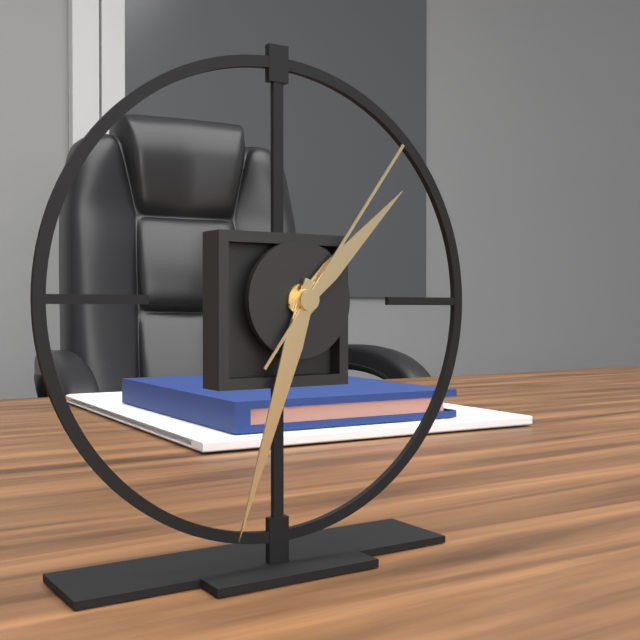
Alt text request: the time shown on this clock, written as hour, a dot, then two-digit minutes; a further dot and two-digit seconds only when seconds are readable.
1.33.06
